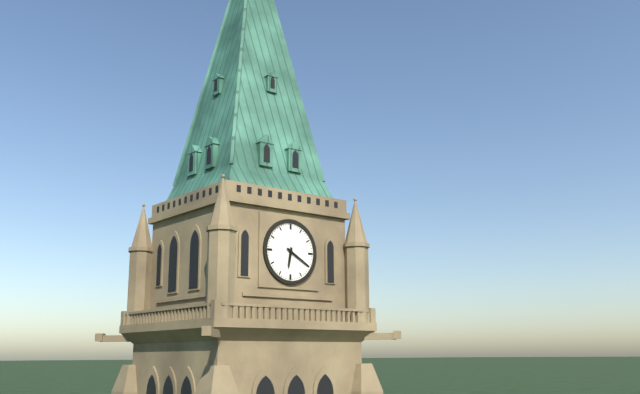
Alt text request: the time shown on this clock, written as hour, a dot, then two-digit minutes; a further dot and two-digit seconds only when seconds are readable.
6.20
